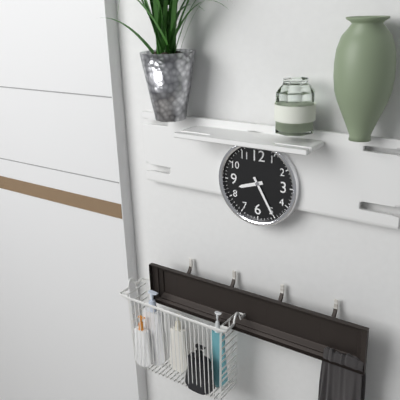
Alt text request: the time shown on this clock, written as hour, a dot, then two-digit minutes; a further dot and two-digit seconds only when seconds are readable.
8.25
